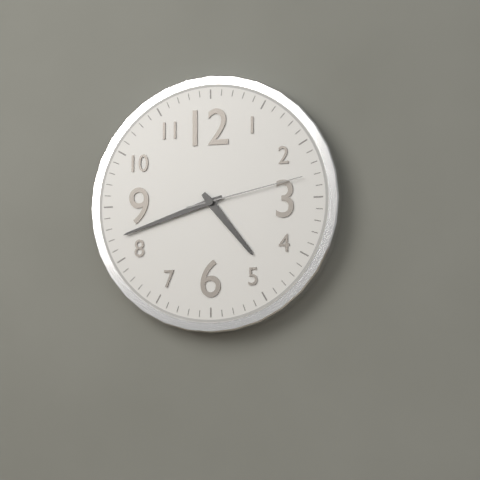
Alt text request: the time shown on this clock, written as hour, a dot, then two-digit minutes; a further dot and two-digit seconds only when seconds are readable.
4.42.13
